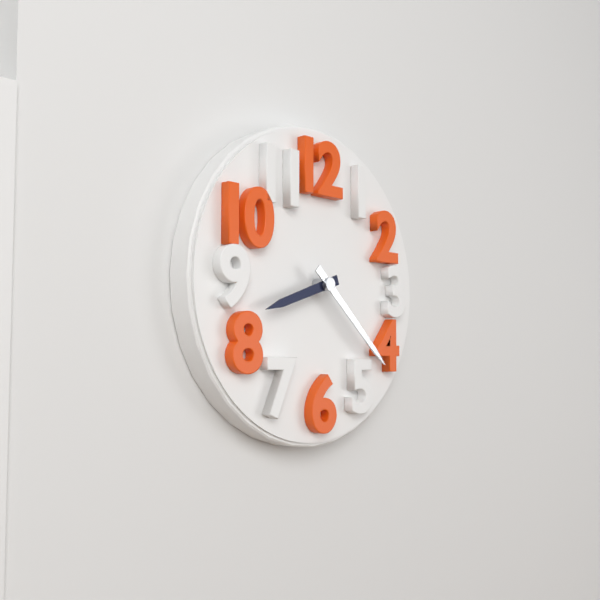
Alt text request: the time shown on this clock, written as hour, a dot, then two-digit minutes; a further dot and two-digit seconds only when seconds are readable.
8.22
